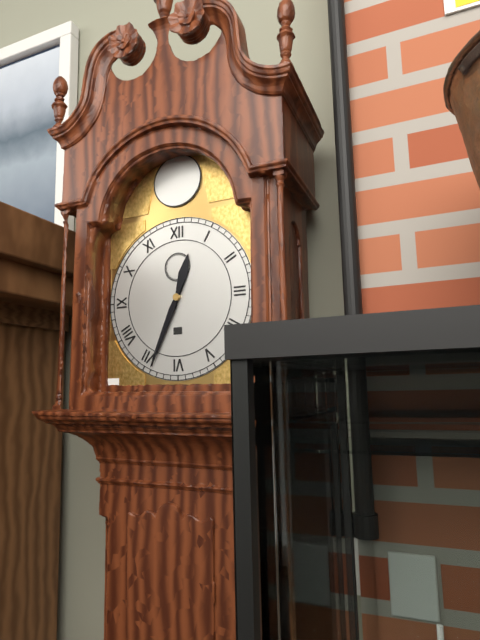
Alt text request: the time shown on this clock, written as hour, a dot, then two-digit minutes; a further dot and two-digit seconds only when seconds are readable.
12.34
